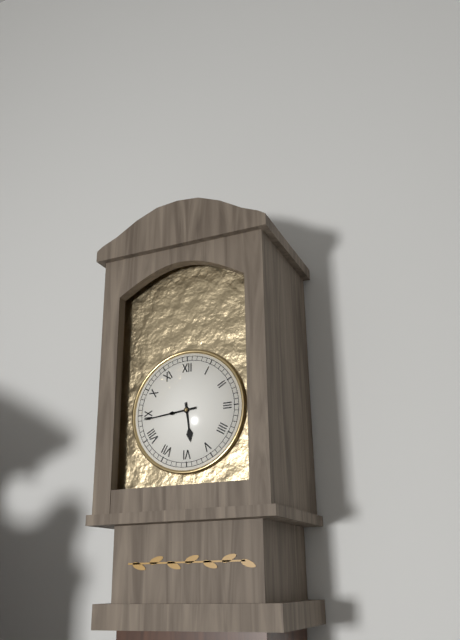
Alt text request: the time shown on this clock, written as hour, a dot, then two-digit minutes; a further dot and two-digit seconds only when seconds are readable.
5.44
